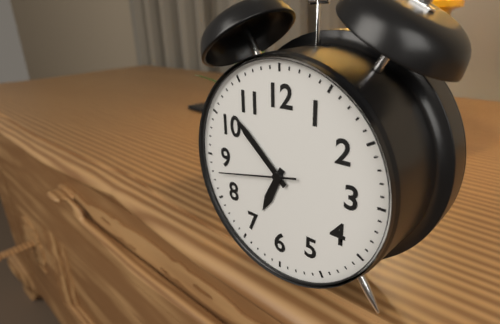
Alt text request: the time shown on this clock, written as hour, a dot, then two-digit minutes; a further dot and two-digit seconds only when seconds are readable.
6.52.43
